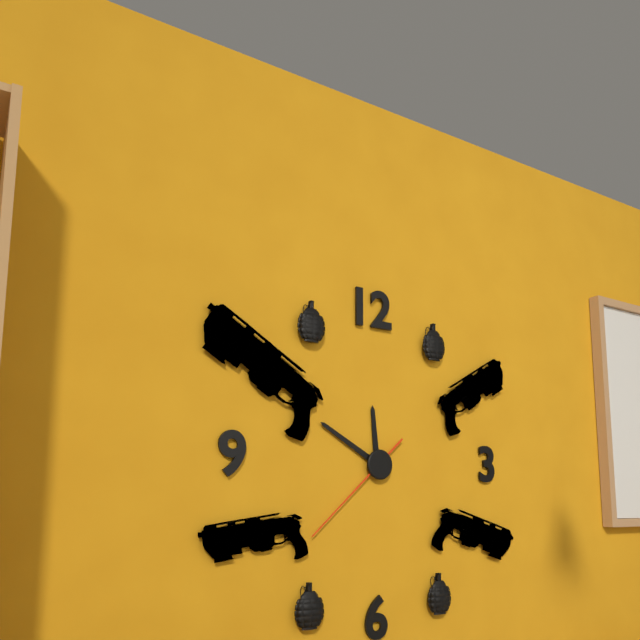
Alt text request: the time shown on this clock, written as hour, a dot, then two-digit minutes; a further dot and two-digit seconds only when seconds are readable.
11.50.38
